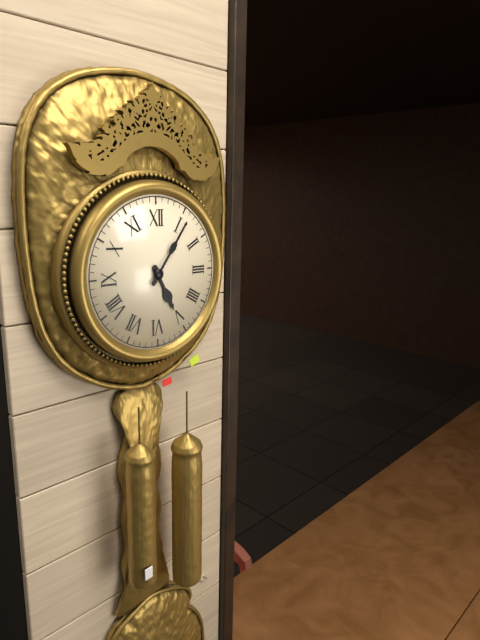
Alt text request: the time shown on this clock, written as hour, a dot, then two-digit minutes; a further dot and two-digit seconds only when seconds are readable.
5.06
